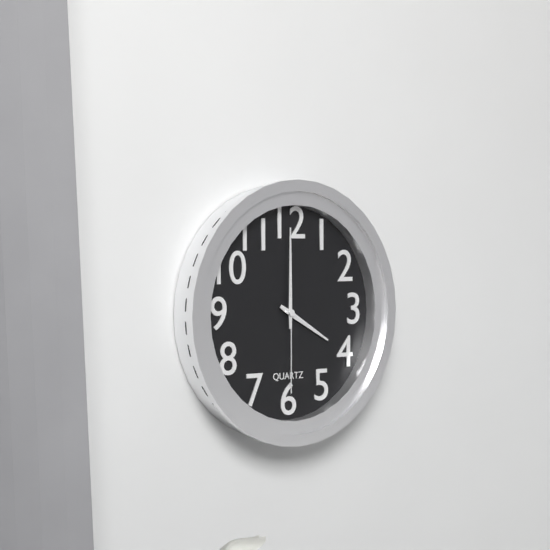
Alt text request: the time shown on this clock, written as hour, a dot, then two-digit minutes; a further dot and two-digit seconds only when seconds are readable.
4.00.30
